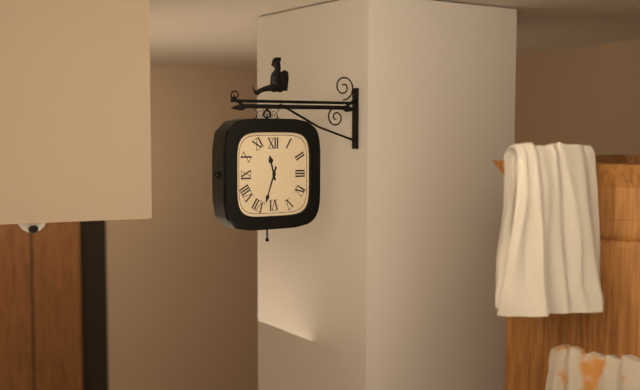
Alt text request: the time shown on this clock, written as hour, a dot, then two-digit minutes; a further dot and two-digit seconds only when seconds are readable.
11.33
